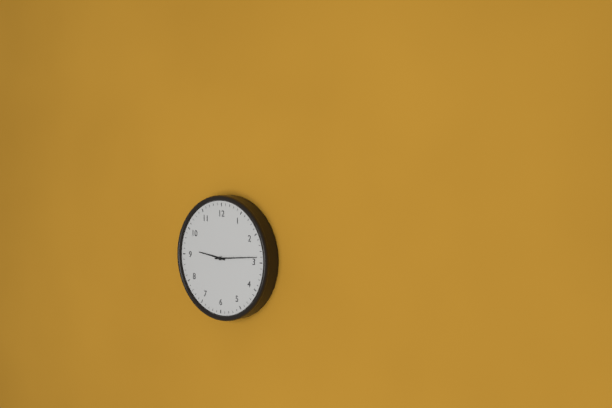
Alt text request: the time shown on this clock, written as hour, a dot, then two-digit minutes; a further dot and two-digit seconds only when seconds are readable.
9.14
